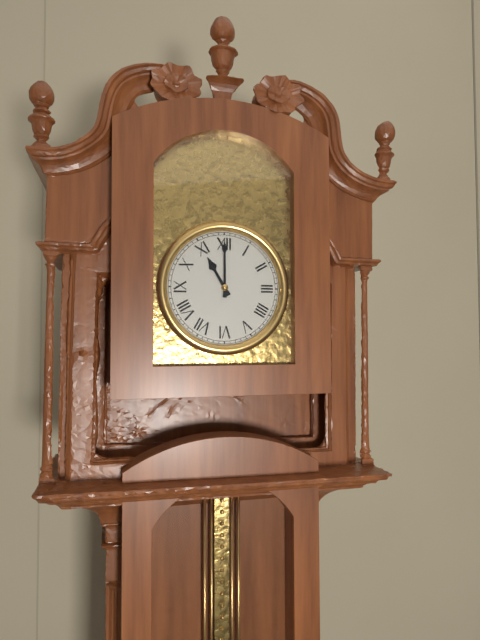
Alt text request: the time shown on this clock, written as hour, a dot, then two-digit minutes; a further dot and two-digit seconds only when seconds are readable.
11.00
